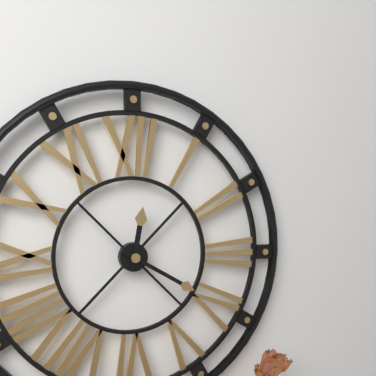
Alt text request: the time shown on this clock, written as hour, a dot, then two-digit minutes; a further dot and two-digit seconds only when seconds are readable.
12.20
